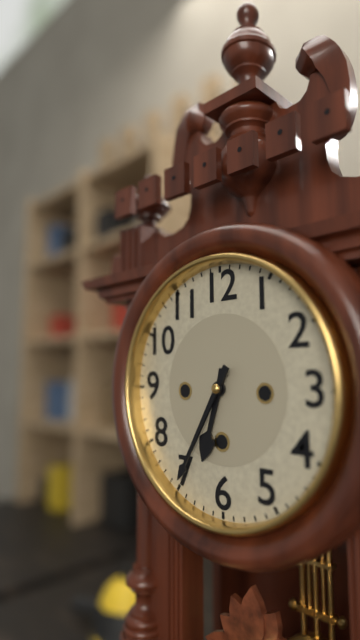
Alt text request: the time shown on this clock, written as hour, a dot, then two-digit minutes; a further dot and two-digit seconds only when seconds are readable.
6.35
